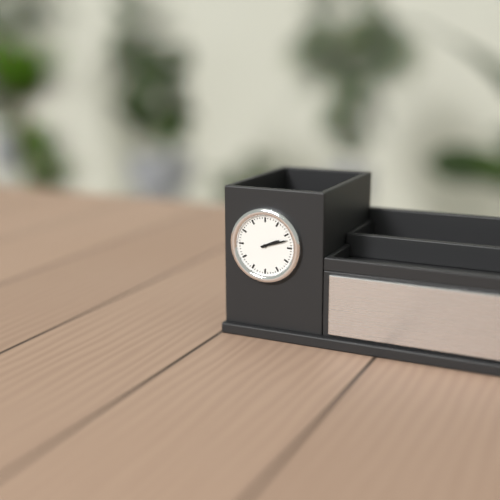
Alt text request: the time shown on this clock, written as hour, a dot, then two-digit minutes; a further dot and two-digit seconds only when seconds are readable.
2.12
